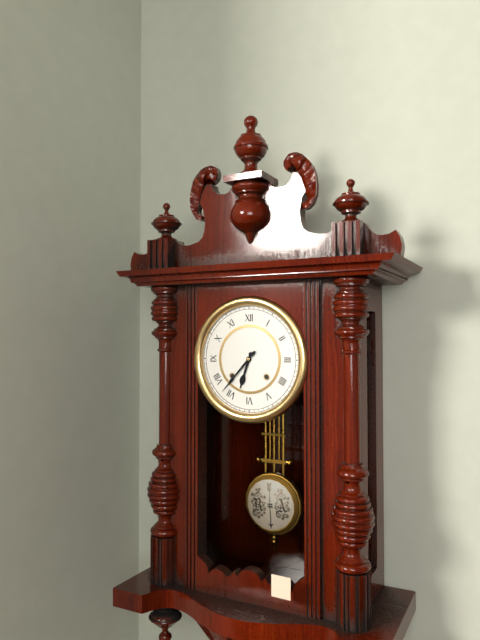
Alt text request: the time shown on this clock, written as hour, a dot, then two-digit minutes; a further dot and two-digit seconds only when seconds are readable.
6.37
